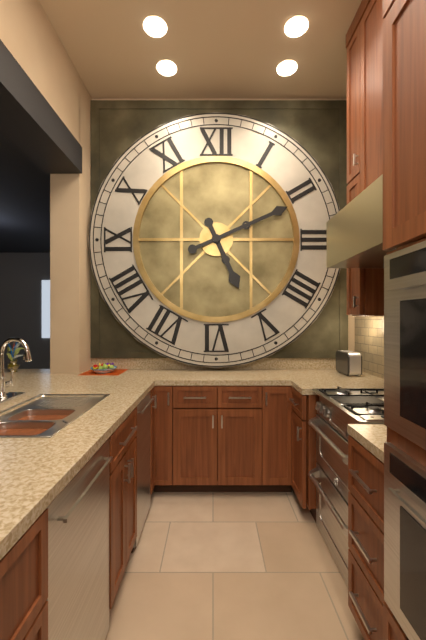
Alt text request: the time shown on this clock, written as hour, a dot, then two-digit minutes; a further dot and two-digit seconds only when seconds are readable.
5.11
